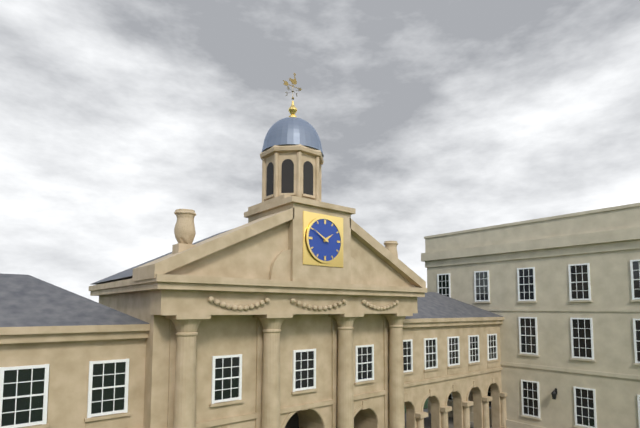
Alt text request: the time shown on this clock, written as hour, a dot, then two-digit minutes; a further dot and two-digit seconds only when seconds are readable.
1.50
